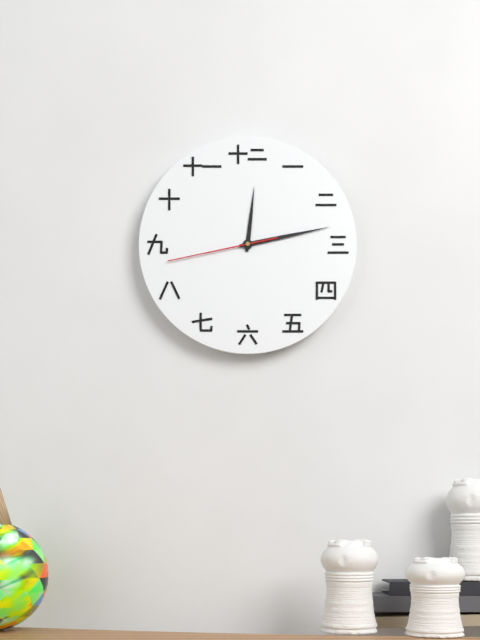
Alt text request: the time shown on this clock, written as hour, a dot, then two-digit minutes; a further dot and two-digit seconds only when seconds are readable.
12.13.43
